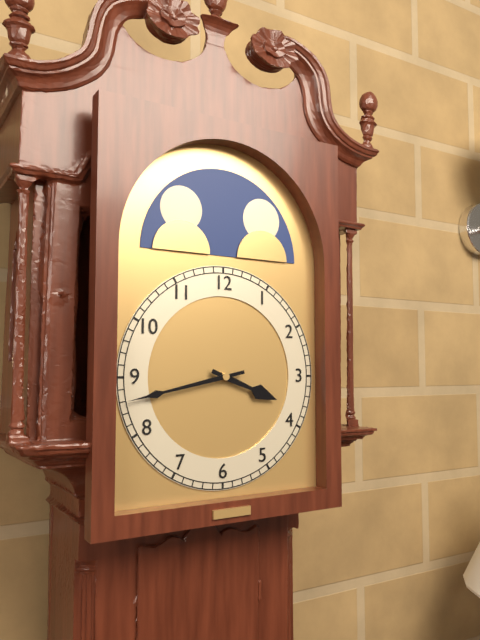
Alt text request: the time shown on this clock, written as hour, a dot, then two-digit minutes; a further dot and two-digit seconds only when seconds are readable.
3.43
